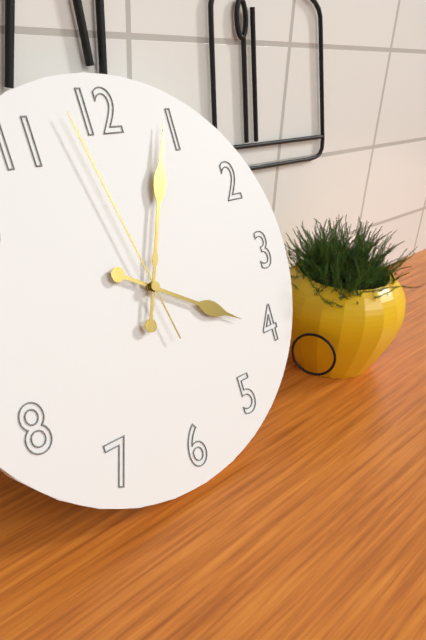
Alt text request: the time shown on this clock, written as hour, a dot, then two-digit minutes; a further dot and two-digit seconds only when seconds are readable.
4.04.58
